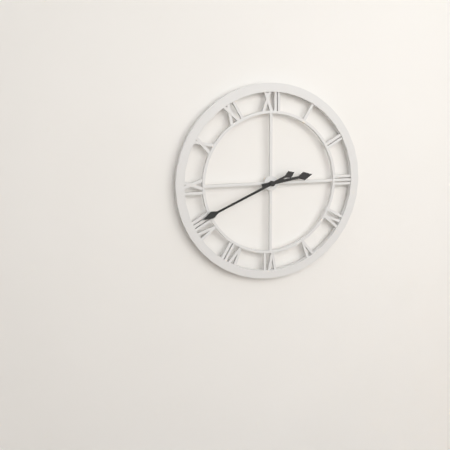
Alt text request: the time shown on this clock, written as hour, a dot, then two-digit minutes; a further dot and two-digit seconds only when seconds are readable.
2.41
